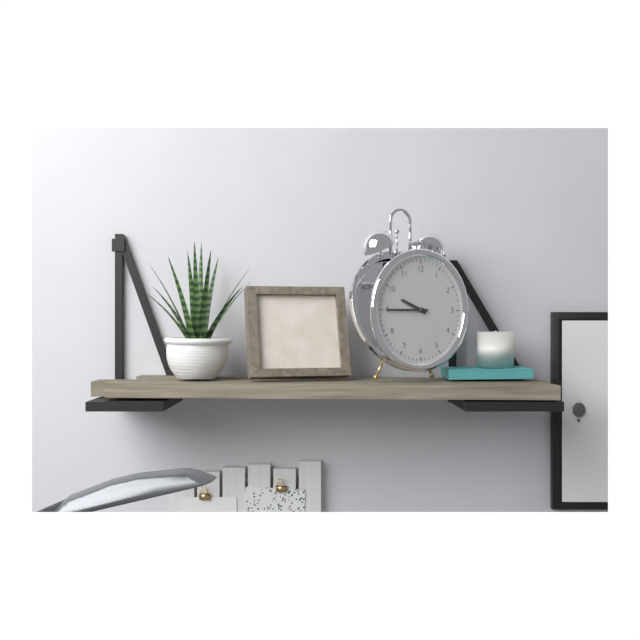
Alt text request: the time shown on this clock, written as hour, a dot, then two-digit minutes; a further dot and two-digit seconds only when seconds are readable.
9.45
